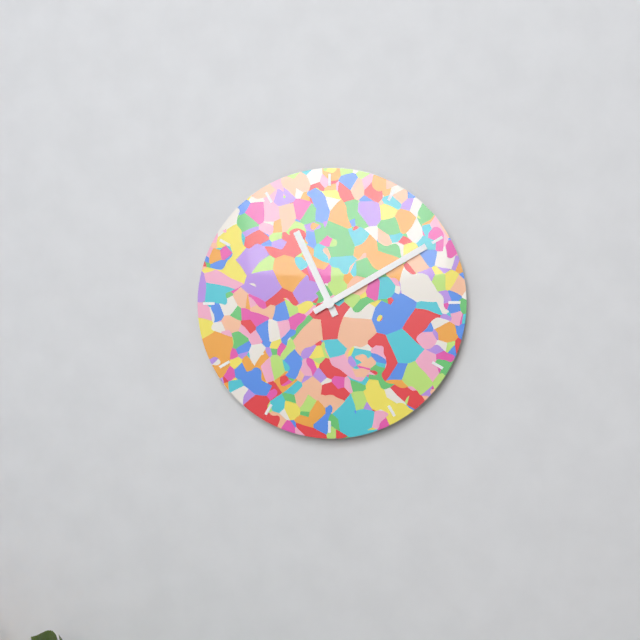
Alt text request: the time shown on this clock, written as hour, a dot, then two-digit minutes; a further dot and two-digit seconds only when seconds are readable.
11.10
